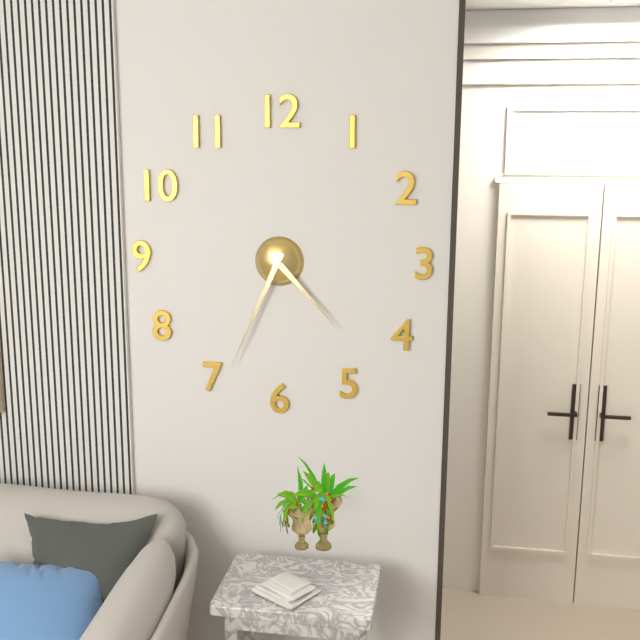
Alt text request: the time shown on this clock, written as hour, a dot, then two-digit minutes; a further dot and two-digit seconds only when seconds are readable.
4.34
